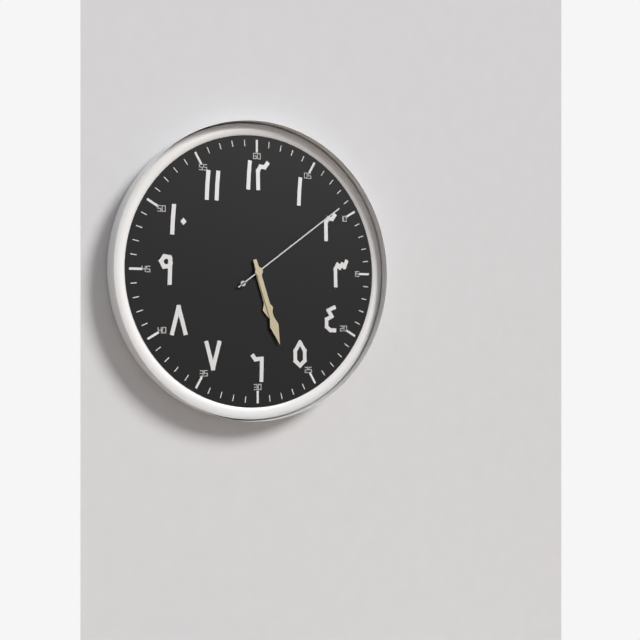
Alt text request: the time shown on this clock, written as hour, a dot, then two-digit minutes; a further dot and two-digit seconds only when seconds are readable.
5.27.09
